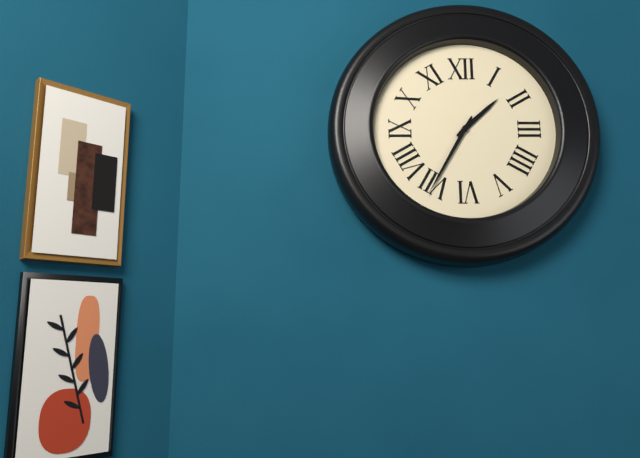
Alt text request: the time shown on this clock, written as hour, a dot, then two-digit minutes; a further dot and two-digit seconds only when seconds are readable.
1.35
